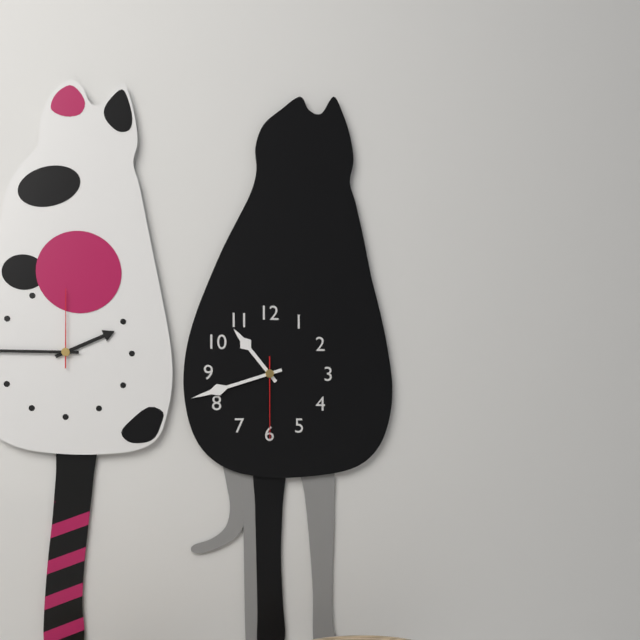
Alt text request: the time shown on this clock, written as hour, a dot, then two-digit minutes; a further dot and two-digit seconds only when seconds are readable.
10.42.30
